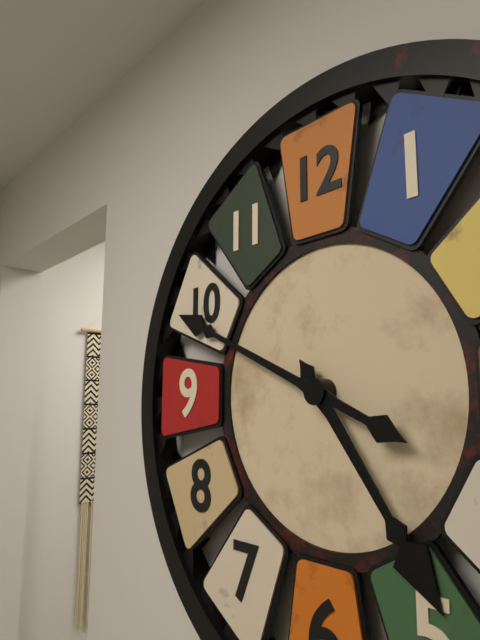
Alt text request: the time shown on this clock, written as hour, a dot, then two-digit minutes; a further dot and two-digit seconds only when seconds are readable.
4.49
